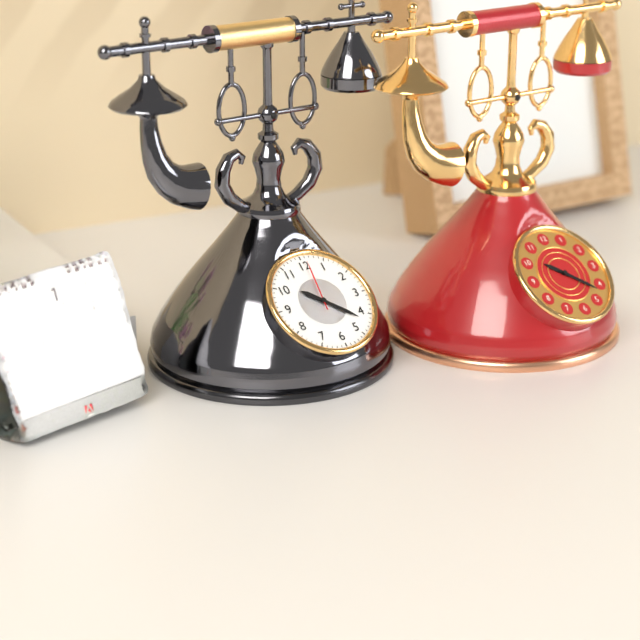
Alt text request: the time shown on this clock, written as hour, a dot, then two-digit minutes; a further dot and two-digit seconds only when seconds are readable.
10.22.01
